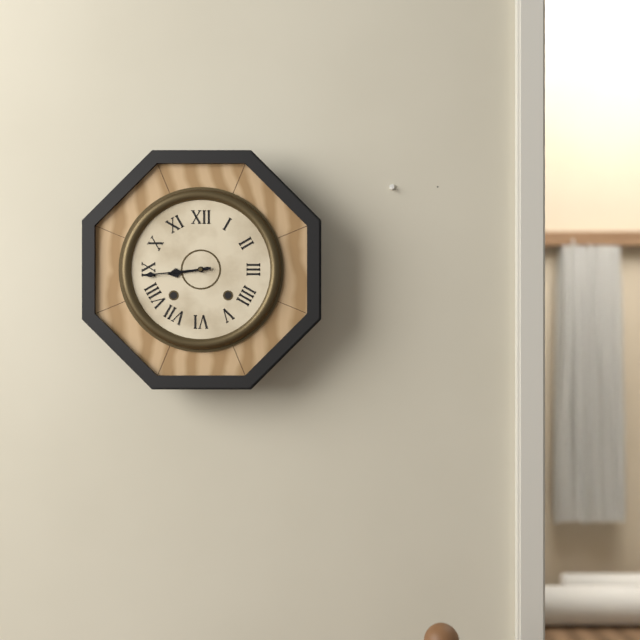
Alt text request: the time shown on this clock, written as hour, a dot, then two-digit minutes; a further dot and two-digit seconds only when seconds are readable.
8.44
